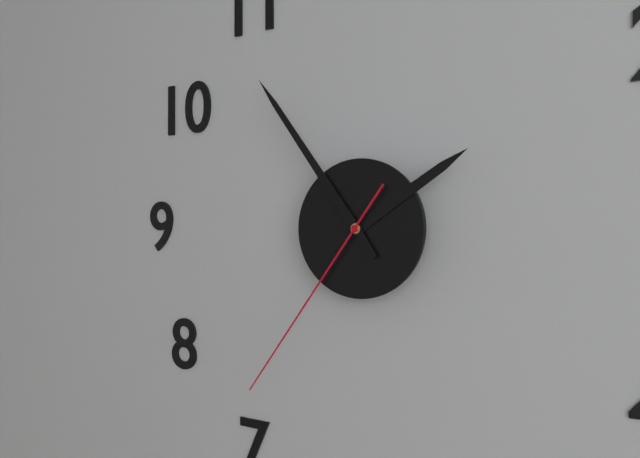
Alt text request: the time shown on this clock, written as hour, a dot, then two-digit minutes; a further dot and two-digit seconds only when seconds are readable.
1.54.36
